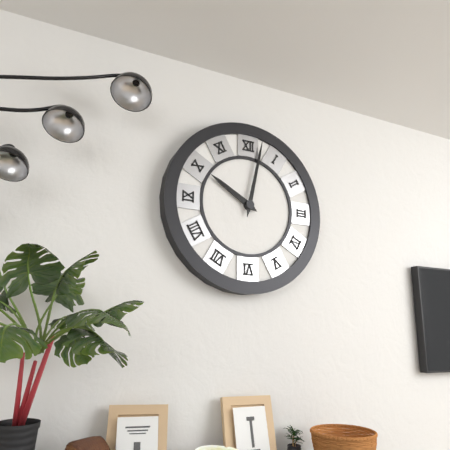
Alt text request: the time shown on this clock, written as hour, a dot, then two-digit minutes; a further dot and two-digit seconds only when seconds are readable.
10.02
